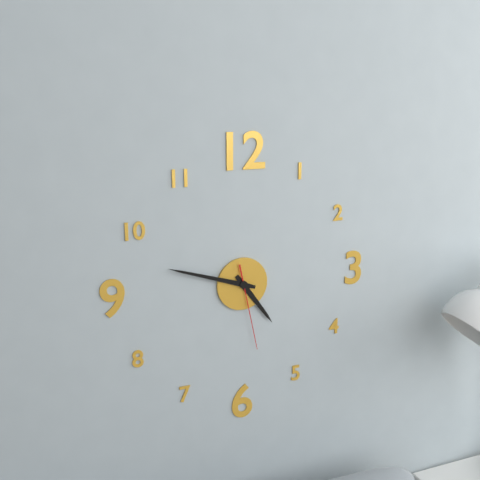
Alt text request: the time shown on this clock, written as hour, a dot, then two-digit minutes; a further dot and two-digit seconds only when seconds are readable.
4.48.28
